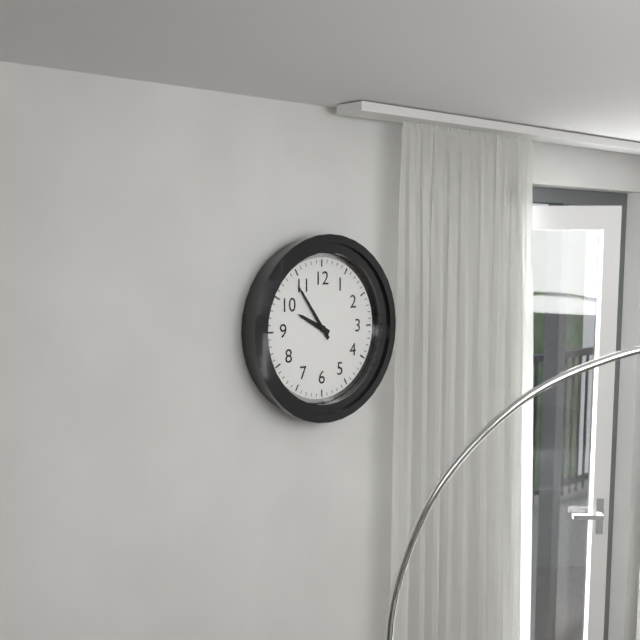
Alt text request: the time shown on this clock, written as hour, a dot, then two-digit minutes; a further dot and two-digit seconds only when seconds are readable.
9.54
